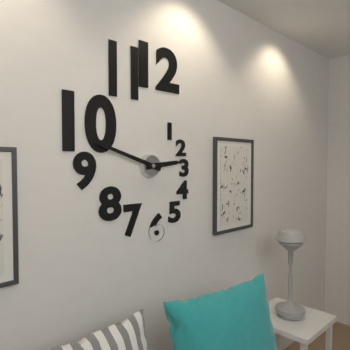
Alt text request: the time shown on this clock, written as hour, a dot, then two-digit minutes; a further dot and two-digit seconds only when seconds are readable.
2.48
